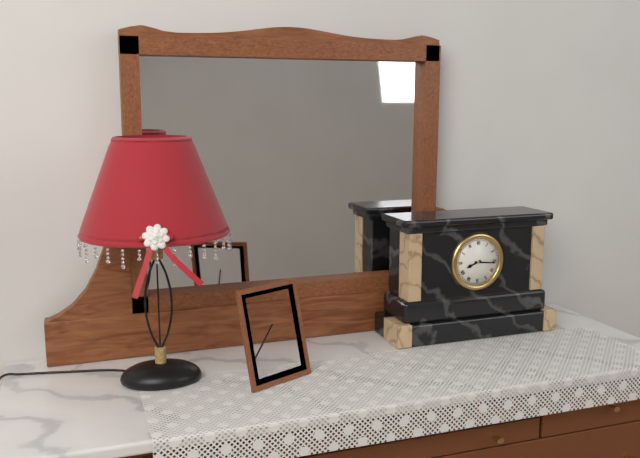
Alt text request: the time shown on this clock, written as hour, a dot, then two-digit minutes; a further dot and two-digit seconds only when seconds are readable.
8.16
